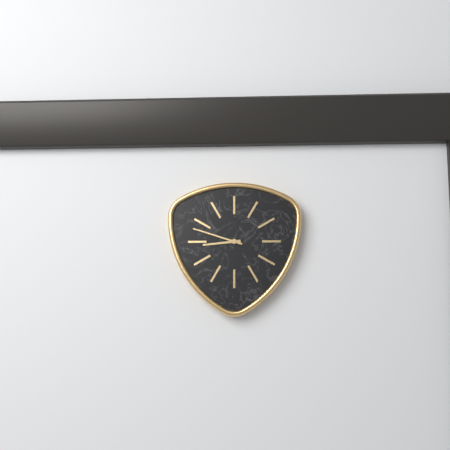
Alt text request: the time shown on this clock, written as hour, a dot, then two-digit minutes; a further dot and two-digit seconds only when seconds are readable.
8.48
